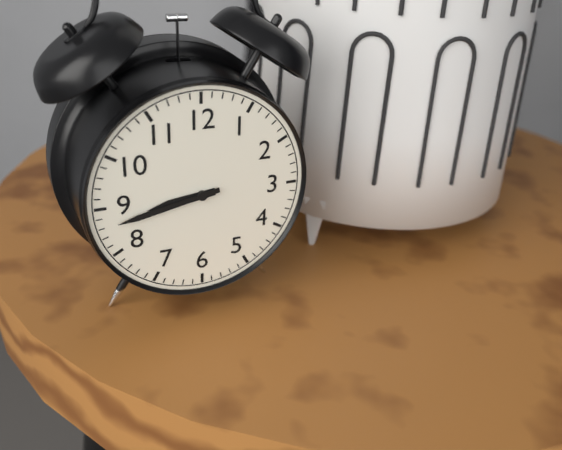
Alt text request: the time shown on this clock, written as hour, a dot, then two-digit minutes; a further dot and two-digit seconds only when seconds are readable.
8.43
